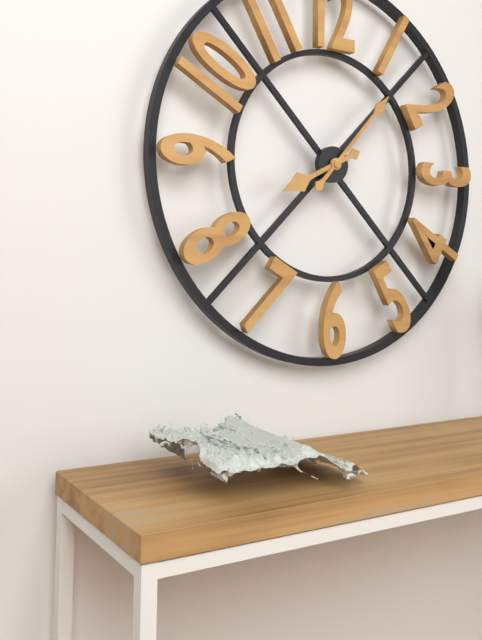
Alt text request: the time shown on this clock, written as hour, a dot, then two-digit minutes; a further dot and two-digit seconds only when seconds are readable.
8.07
